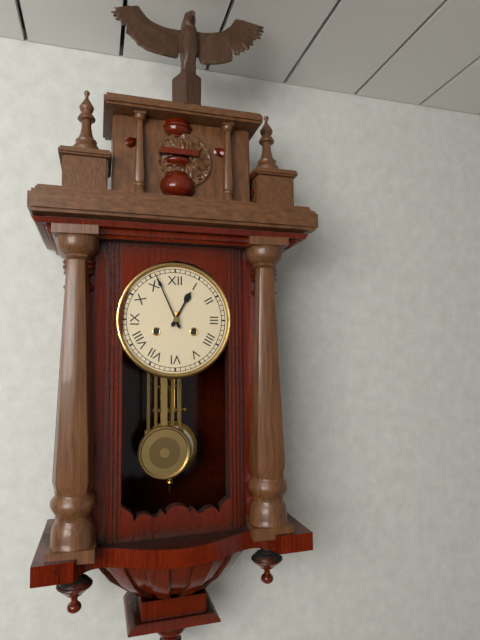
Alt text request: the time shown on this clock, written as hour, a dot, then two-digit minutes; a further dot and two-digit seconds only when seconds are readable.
12.56
